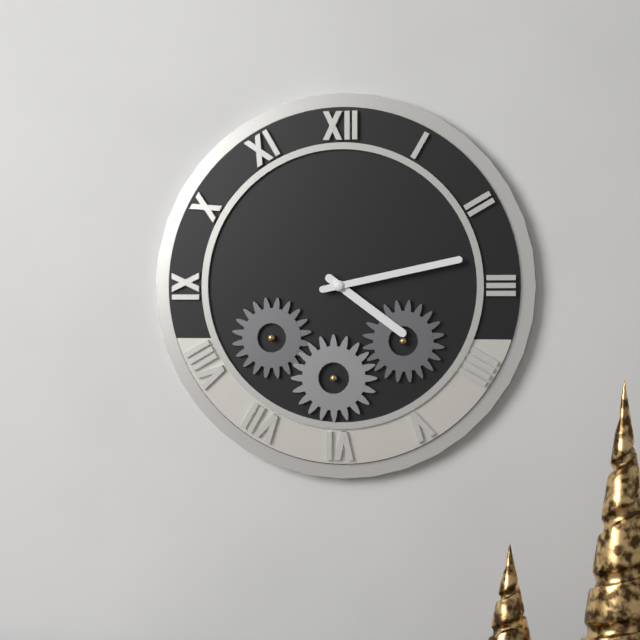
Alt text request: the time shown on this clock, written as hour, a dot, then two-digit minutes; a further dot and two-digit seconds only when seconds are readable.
4.13
